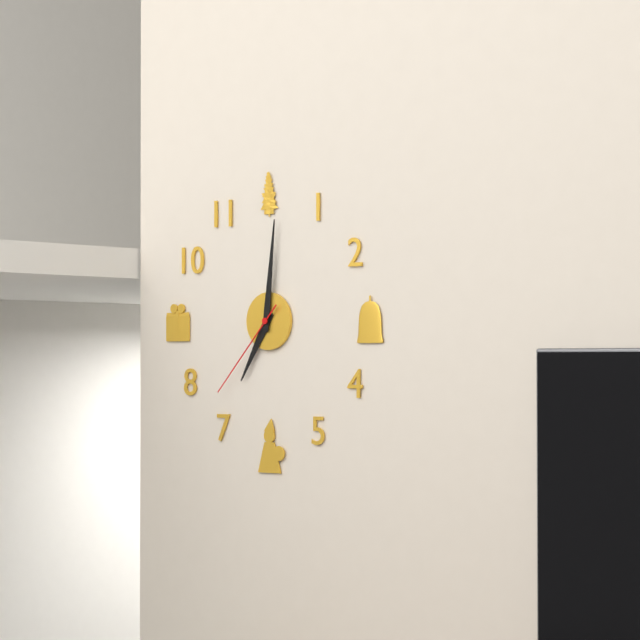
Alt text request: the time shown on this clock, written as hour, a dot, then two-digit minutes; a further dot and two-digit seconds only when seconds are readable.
7.01.37
